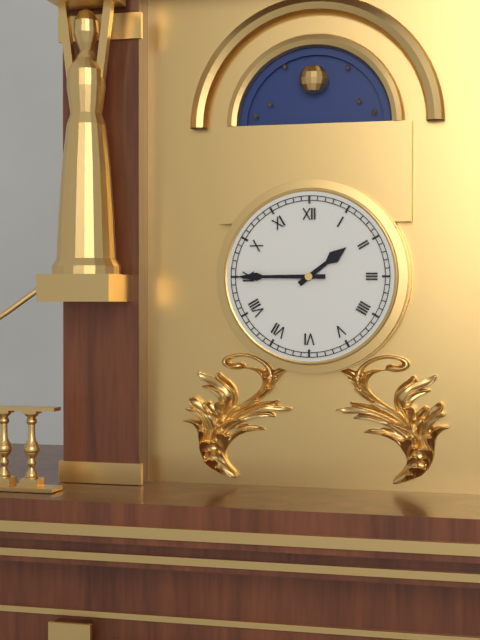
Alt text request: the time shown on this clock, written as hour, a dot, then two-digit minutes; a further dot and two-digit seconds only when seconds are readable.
1.45
